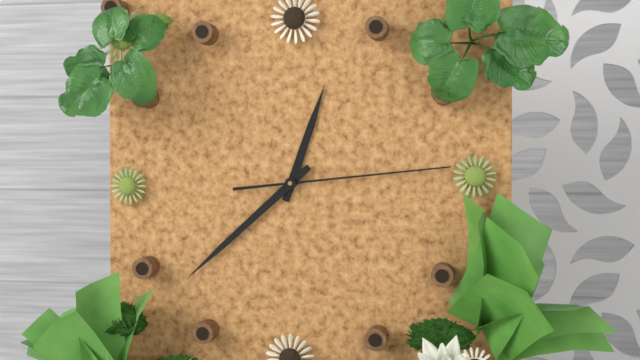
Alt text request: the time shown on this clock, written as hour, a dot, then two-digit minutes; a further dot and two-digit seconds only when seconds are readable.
12.38.14
